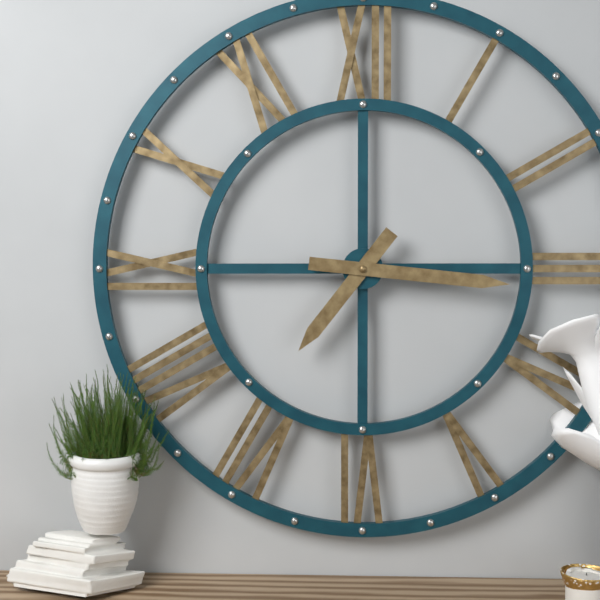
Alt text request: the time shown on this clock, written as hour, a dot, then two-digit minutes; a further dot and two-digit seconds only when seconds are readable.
7.16
